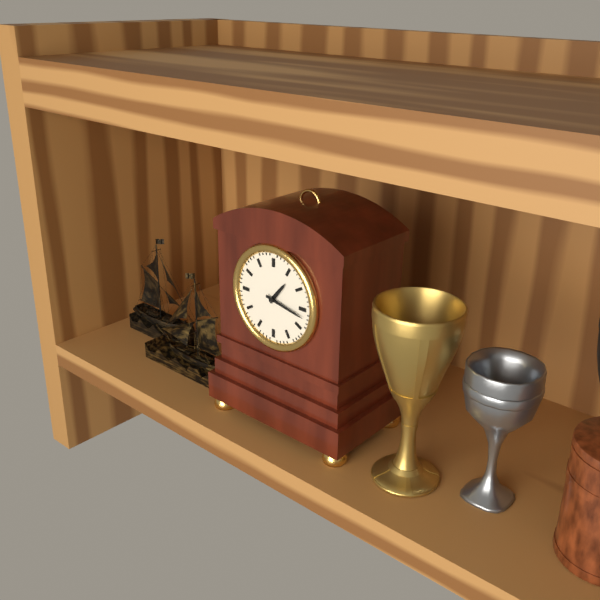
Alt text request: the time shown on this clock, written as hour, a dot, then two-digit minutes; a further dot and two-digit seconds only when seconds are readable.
1.17
